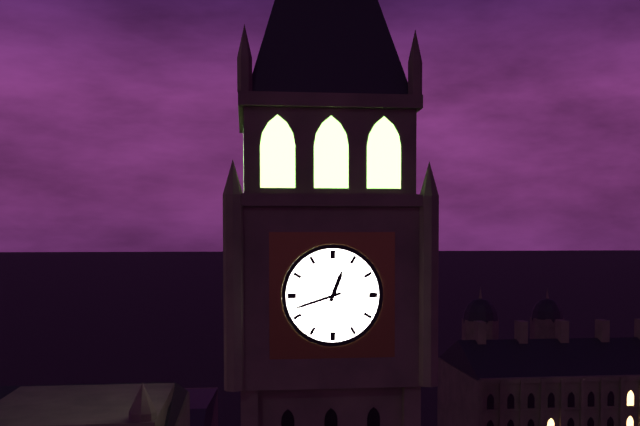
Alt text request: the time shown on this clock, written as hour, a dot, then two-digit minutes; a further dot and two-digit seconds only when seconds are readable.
12.42
